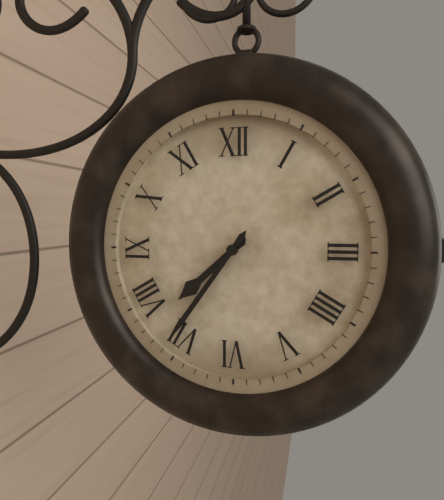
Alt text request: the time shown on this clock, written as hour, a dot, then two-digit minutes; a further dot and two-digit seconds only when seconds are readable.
7.36
